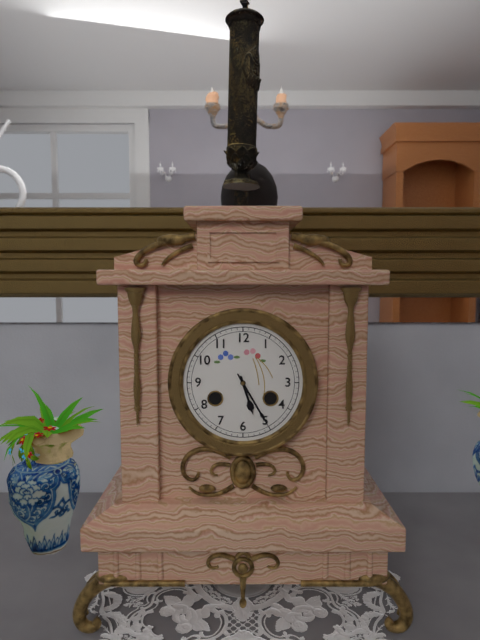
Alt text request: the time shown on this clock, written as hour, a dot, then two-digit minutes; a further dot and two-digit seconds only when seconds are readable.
5.25
